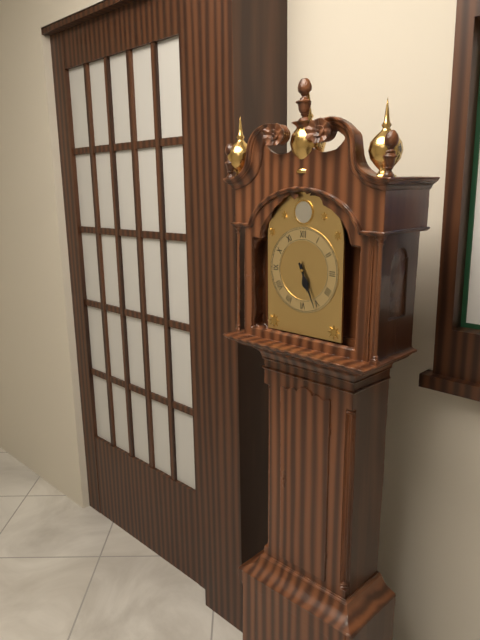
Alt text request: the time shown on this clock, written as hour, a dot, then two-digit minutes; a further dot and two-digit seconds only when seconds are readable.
5.26
